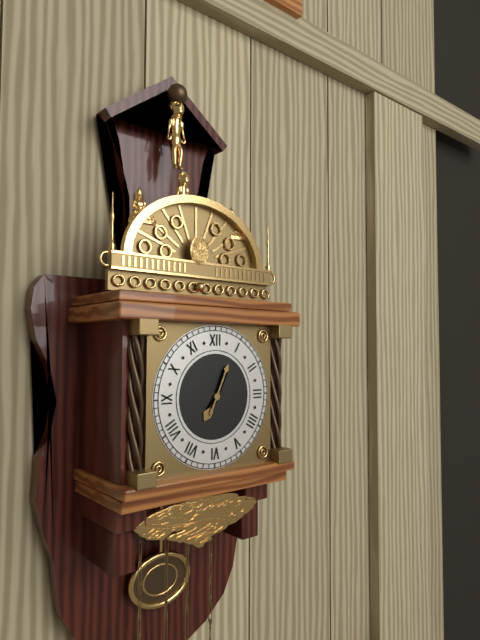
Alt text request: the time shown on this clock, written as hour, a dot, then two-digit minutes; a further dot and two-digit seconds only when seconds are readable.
7.04
